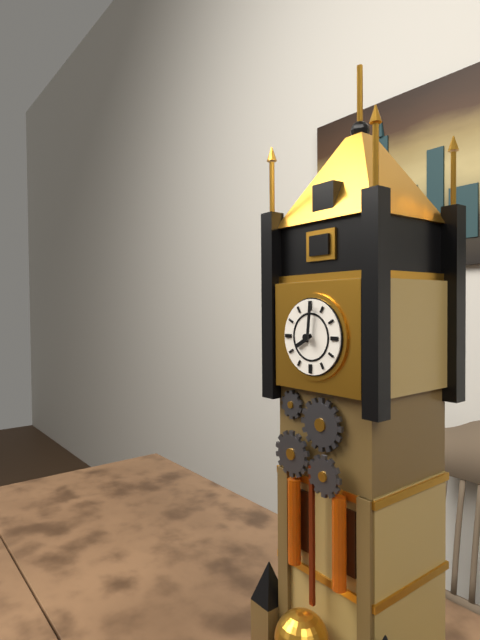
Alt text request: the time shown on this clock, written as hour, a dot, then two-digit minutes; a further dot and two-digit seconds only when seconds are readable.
8.01
